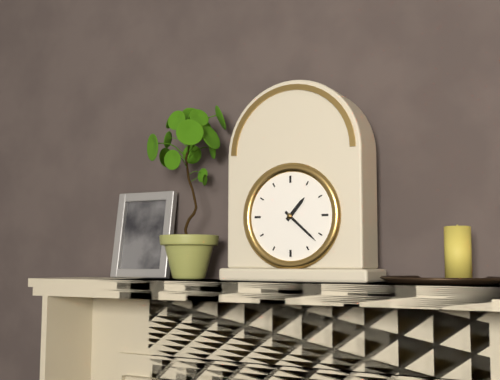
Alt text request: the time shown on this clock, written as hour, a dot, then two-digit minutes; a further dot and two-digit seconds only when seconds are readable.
1.22
